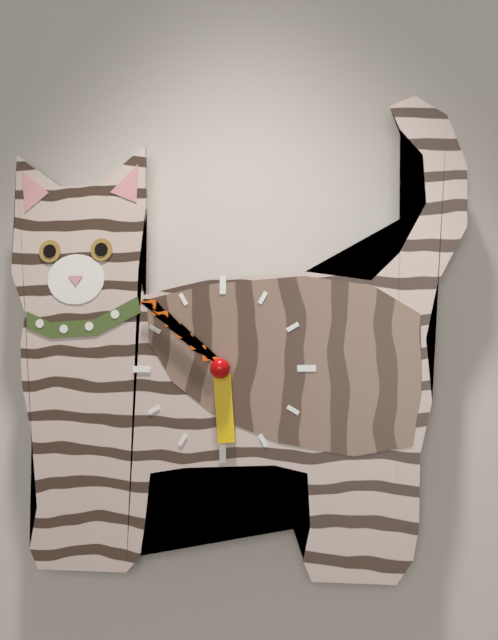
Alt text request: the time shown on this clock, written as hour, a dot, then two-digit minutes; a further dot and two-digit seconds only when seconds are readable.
5.52
